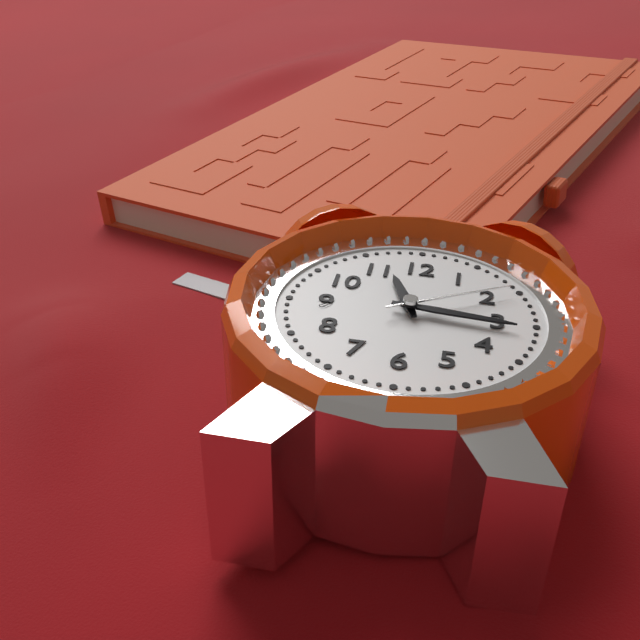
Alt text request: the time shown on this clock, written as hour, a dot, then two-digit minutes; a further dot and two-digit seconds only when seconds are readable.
11.16.10
